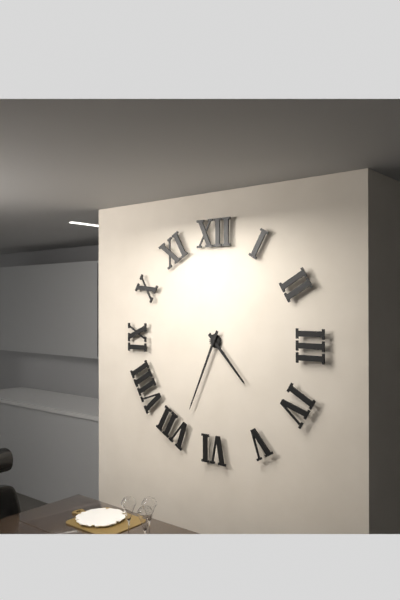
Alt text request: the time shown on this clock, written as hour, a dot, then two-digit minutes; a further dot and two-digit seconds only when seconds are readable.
4.34
